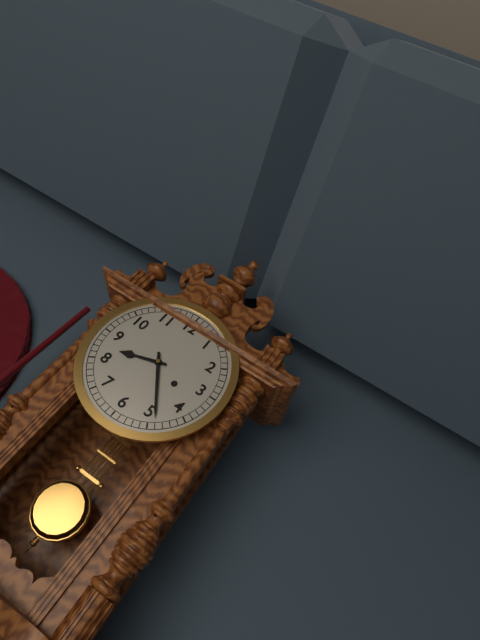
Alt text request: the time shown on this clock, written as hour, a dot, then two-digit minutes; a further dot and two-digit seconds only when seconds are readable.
8.24
